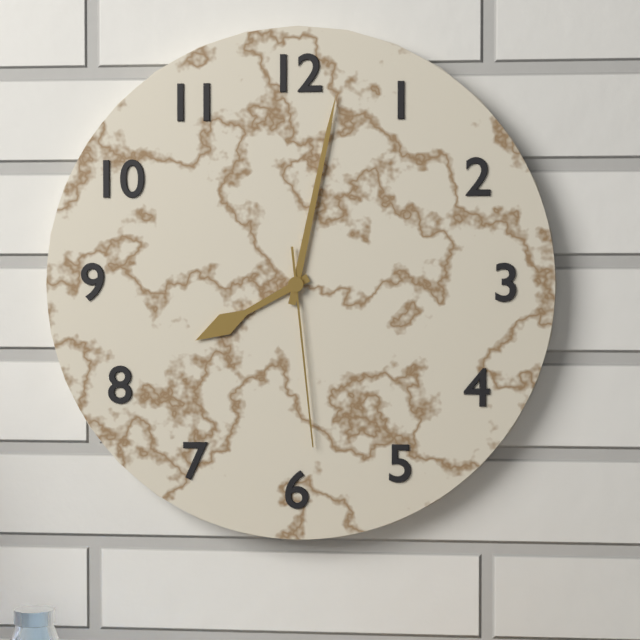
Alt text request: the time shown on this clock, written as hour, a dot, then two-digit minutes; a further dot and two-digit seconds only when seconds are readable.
8.02.29
